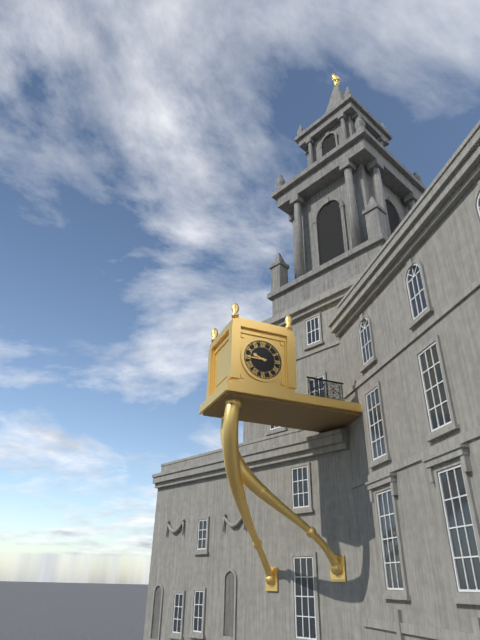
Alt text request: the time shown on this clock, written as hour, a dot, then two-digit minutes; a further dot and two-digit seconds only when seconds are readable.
9.45
